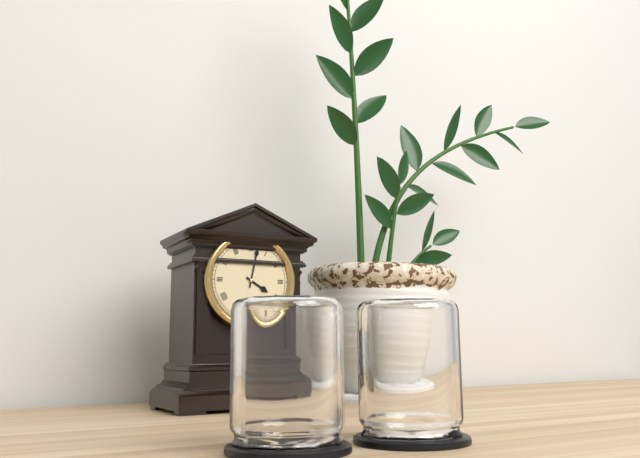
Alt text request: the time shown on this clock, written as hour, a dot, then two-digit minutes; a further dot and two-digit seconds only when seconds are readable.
4.02
